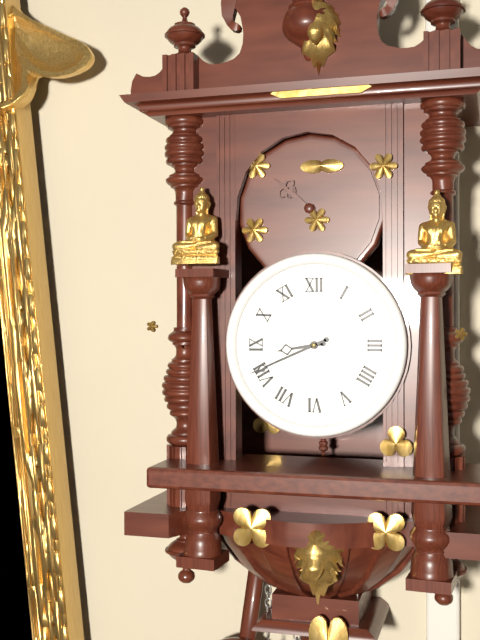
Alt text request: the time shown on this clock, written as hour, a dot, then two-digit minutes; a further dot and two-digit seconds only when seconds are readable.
8.41
